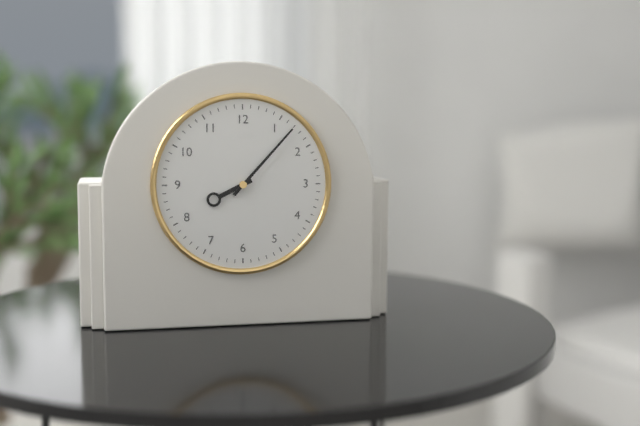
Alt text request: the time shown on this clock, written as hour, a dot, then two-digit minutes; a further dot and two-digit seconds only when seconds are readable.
8.07
